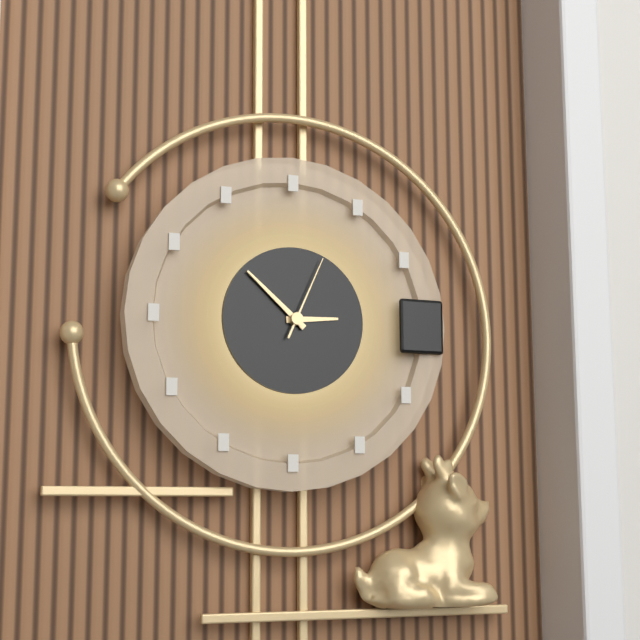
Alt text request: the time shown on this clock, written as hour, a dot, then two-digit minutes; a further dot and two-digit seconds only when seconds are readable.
2.52.04
